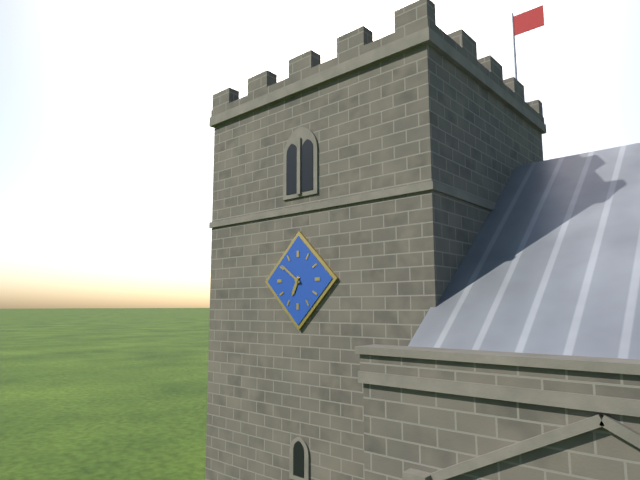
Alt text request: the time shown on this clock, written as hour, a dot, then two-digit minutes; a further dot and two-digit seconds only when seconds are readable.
6.51
